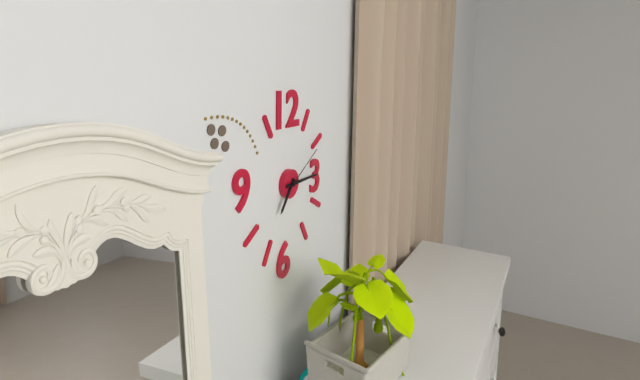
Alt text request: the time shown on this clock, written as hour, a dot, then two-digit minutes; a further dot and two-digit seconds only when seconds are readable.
7.15.10
